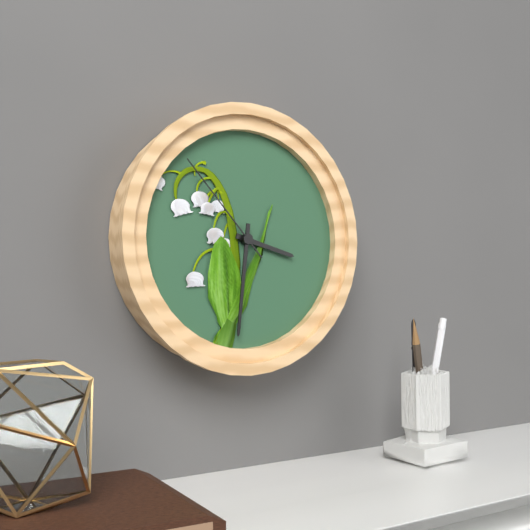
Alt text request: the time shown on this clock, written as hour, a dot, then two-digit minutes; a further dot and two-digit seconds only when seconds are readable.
3.31.53
